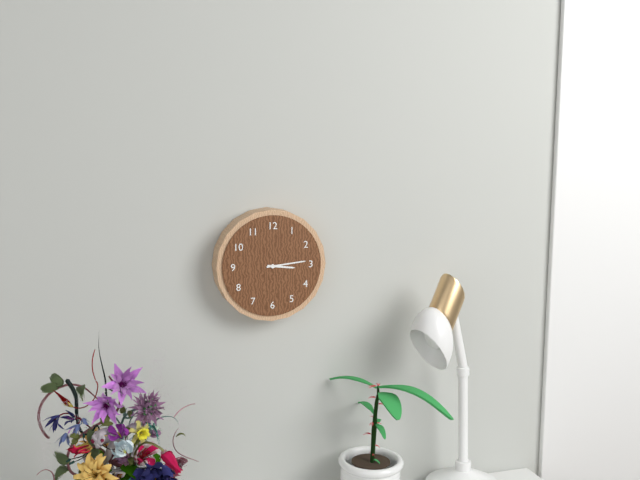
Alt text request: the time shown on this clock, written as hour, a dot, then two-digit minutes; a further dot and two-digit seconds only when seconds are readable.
3.14
